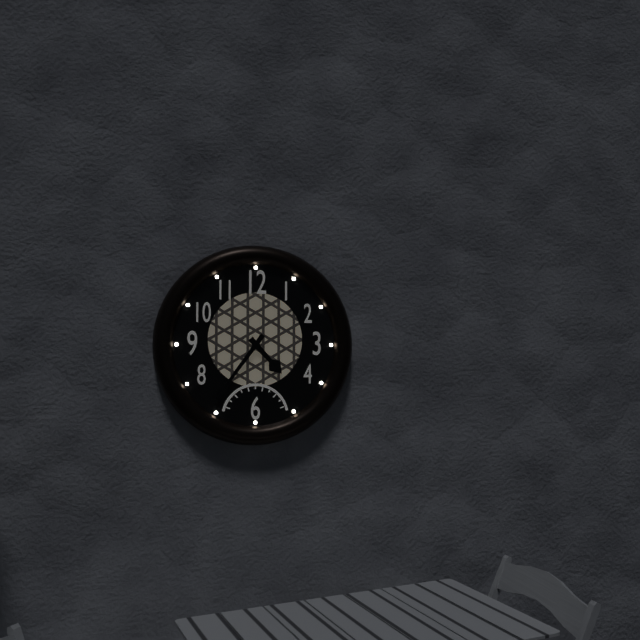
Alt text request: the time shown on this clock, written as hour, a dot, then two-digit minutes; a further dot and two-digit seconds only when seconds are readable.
4.36
